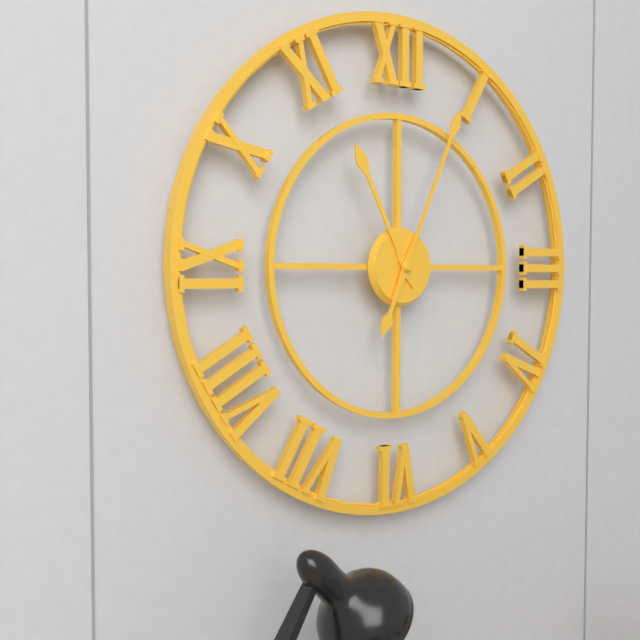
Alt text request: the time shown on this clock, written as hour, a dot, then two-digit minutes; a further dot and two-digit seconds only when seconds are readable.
11.04
